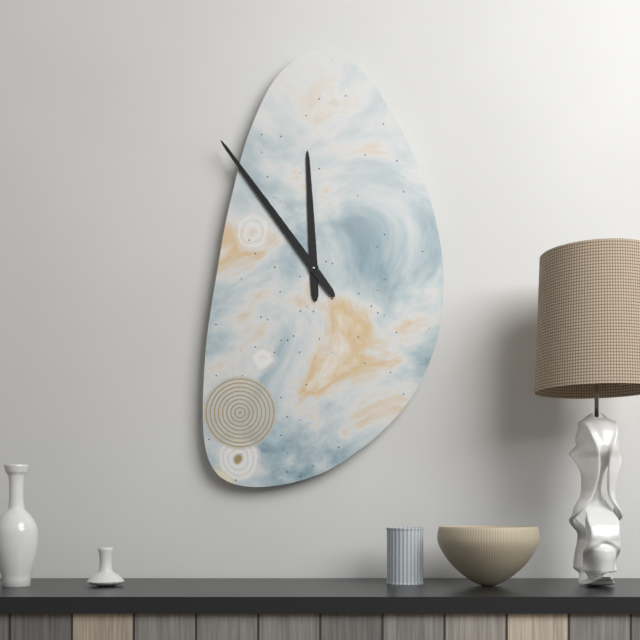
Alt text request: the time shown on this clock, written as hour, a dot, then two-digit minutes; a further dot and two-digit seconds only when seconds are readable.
11.54
